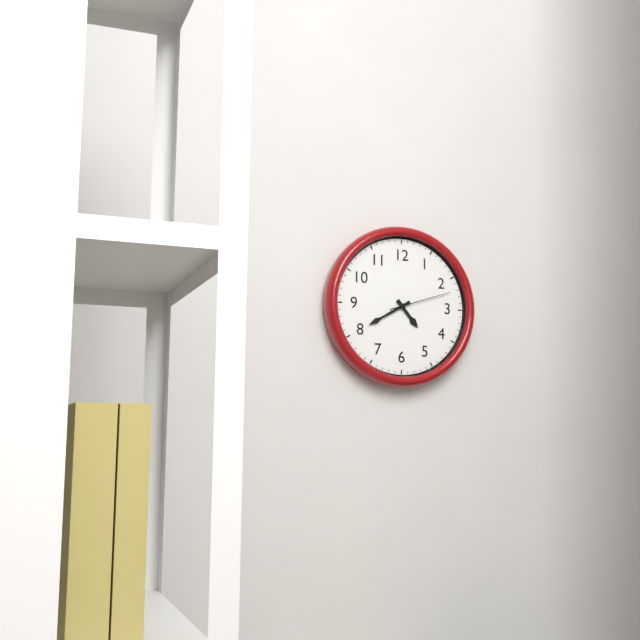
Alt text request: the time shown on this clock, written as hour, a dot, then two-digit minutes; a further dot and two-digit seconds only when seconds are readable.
4.40.12
